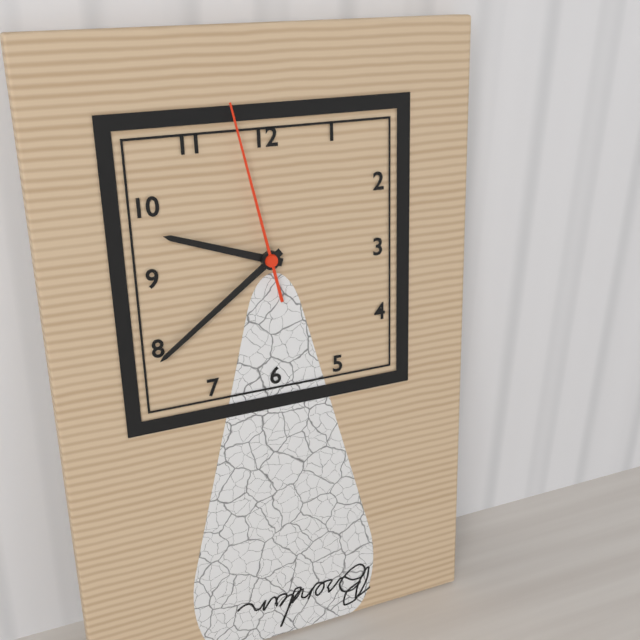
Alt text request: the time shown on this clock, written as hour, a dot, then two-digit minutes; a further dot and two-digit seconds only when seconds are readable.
9.39.58
